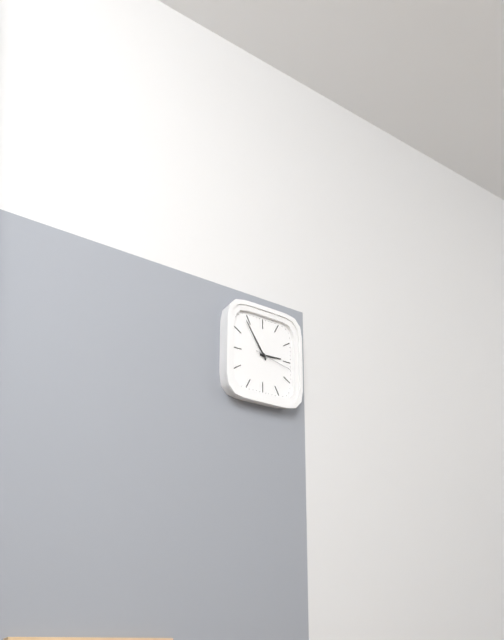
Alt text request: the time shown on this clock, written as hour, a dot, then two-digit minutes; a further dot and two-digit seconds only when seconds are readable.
2.54
